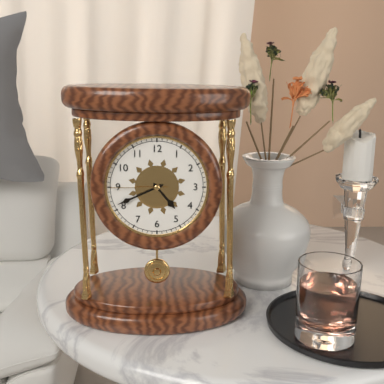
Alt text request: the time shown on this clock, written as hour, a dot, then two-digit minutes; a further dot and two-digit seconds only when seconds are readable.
4.41.45
